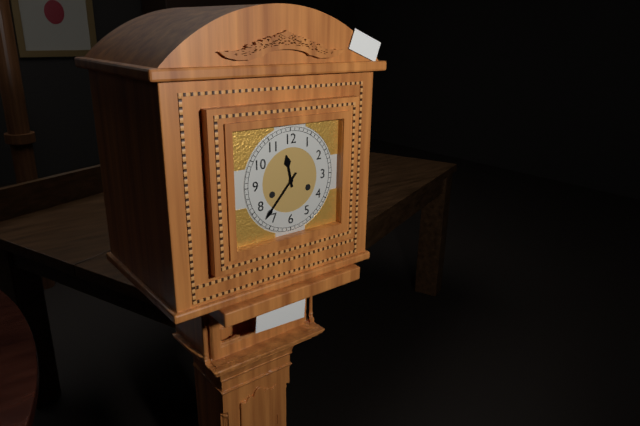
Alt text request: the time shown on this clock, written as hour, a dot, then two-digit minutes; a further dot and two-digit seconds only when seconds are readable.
11.37
